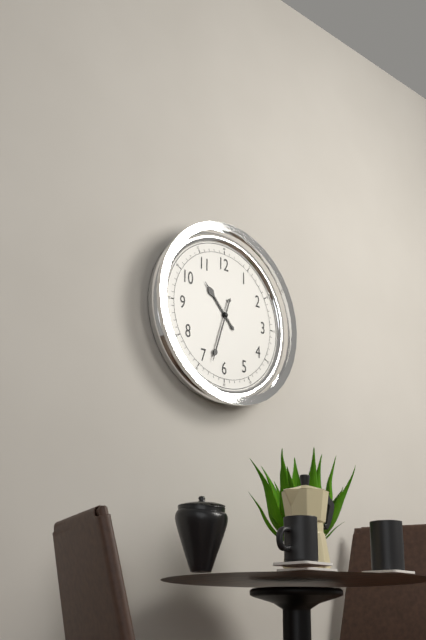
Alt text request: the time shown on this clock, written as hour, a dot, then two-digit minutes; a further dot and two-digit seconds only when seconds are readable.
10.33
